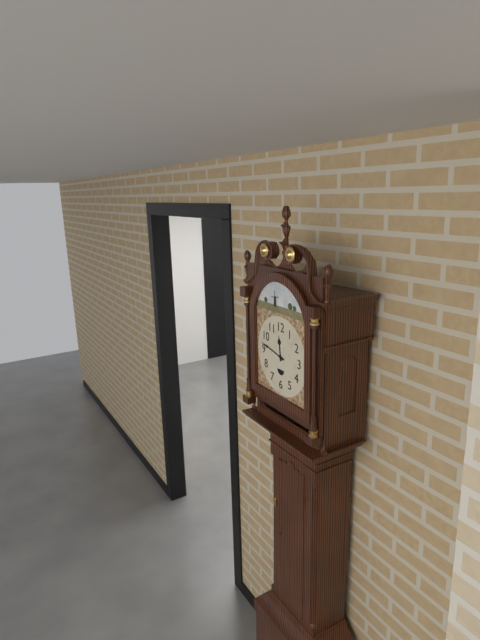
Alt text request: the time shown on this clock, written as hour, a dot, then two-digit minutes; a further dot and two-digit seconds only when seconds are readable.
11.47
